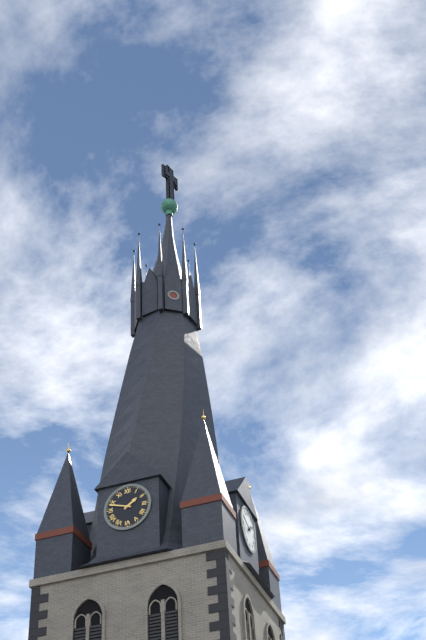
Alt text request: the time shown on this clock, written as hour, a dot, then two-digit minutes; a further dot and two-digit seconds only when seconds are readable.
1.48
